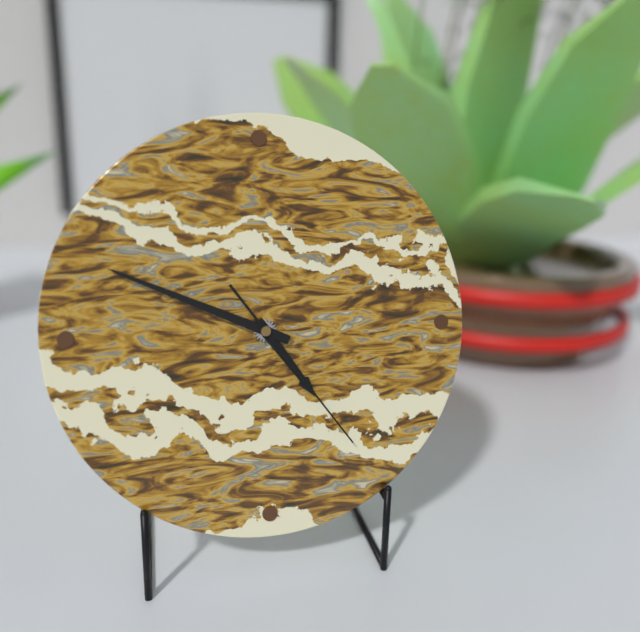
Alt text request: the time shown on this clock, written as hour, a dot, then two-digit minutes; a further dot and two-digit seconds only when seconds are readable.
4.49.24
